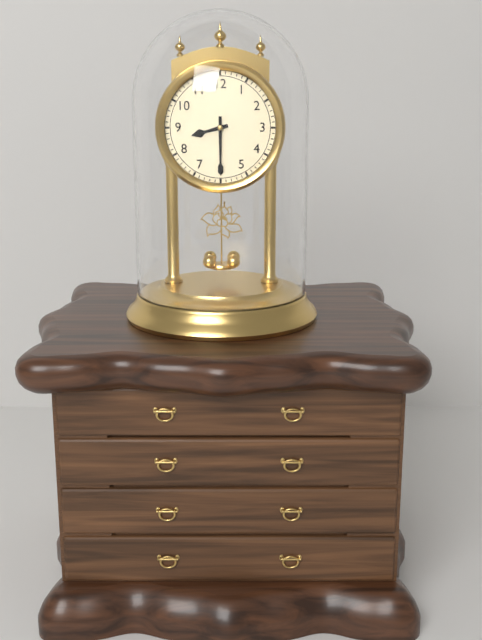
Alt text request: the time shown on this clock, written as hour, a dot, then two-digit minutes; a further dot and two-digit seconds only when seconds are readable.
8.30
